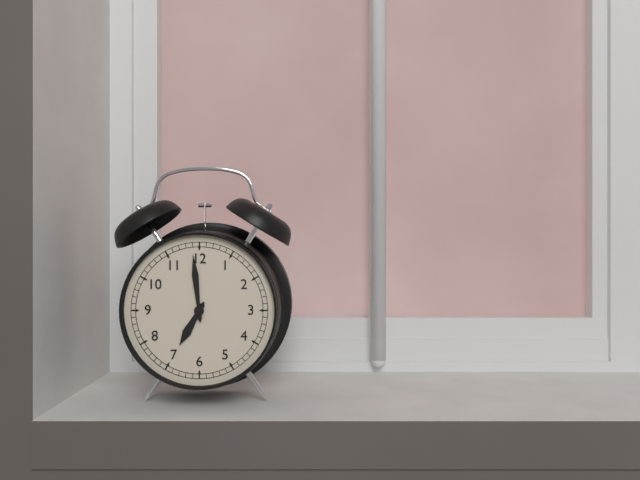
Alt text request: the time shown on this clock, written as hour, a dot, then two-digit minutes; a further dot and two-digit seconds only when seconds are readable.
6.59
